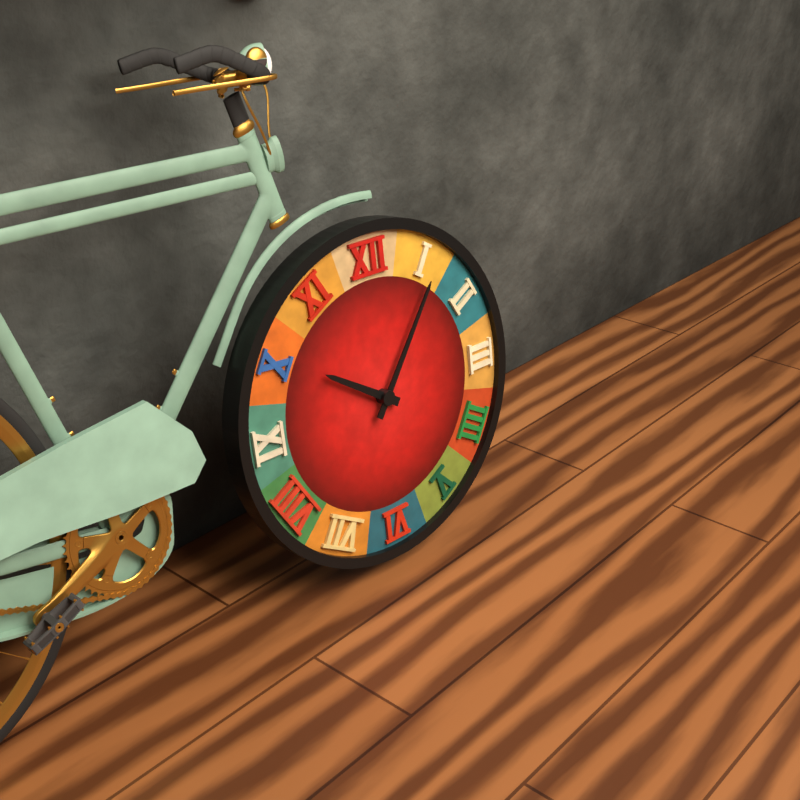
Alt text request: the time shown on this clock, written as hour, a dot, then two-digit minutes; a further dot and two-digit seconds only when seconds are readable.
10.06
